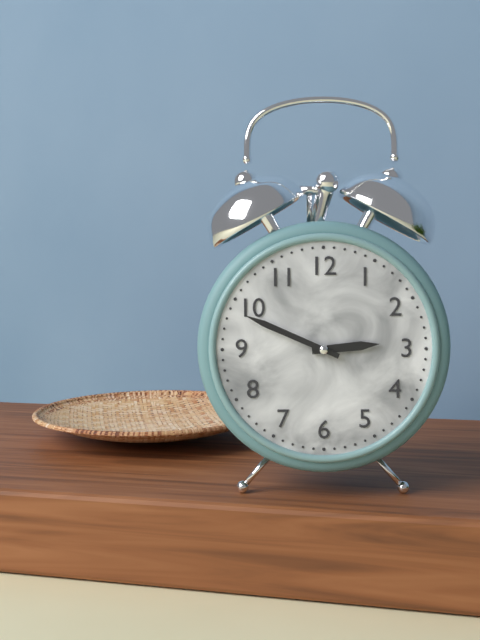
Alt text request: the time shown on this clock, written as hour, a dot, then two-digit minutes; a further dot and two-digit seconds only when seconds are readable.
2.49
